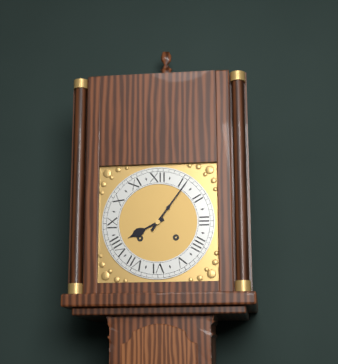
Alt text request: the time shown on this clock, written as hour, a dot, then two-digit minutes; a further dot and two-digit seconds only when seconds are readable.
8.06
